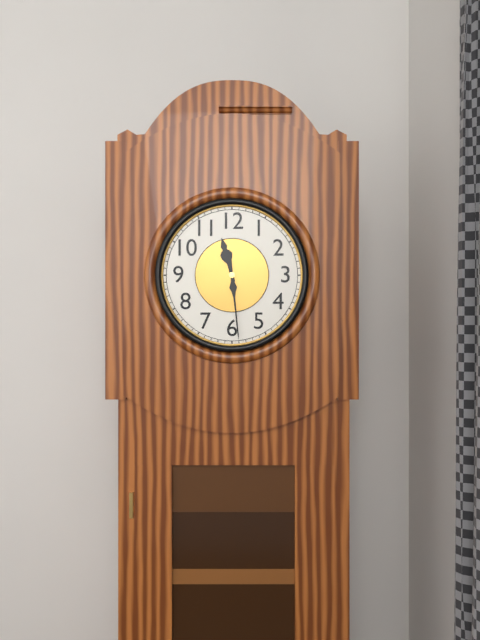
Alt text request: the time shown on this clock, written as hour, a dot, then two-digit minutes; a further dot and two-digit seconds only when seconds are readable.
11.29
